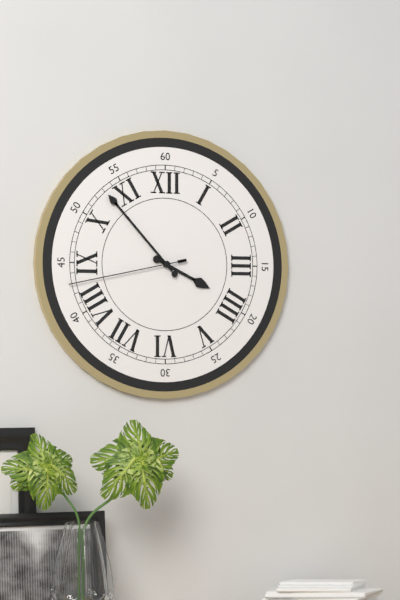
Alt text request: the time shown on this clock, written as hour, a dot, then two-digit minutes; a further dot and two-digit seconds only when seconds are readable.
3.53.43
